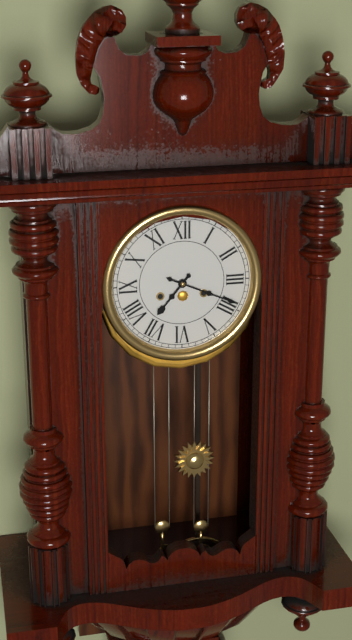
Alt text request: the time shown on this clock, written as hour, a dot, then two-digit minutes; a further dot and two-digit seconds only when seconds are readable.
7.19
